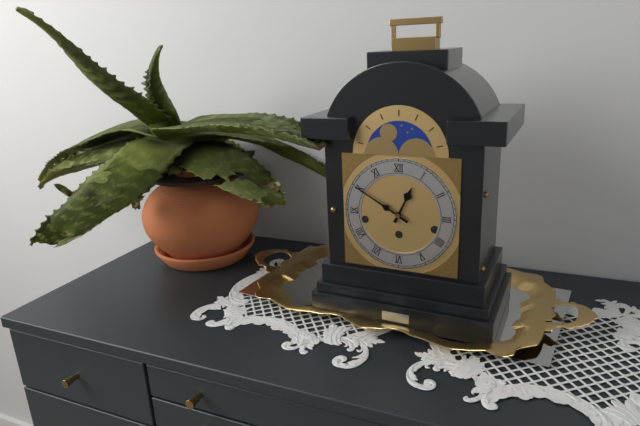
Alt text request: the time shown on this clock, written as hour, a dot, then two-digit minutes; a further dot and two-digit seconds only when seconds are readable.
12.50
